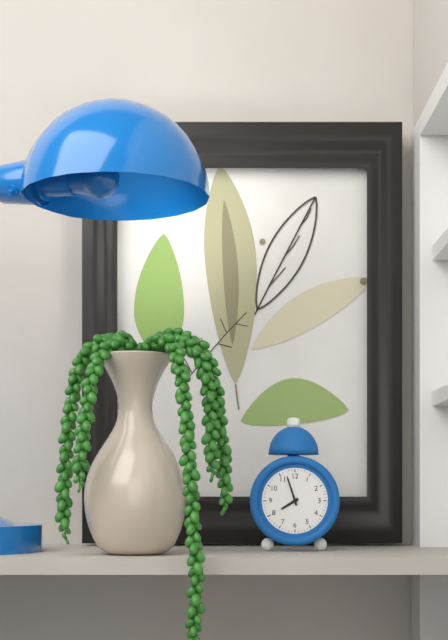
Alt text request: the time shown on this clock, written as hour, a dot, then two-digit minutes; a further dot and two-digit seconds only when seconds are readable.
7.57
